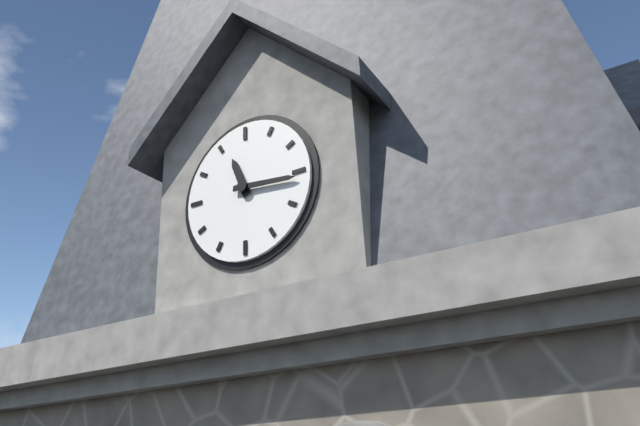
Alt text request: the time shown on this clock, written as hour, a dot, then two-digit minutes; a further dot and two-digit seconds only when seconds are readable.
11.16
